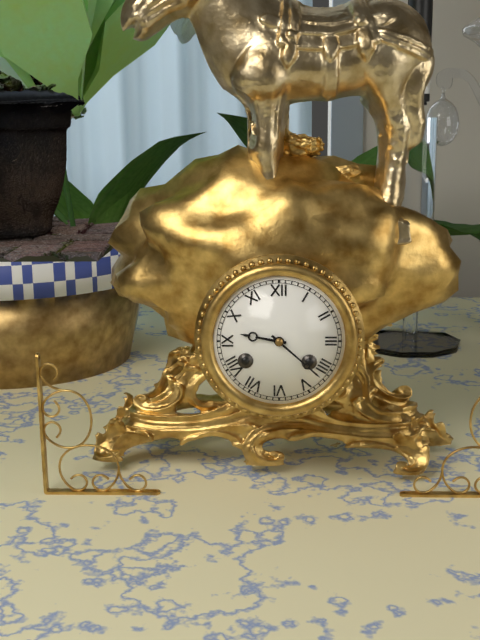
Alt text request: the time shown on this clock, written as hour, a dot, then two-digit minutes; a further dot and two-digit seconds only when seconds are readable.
9.22
